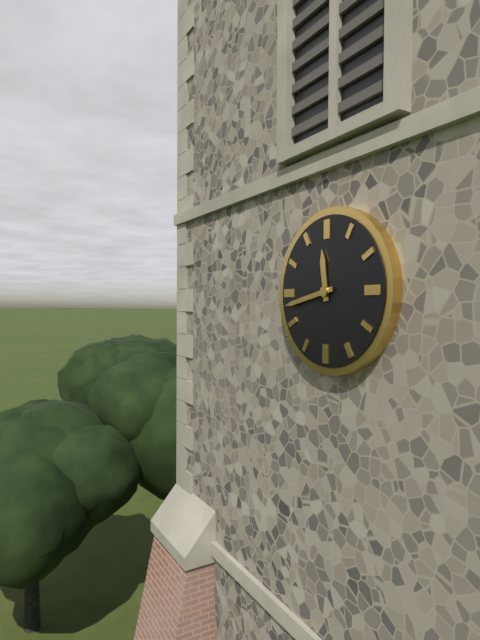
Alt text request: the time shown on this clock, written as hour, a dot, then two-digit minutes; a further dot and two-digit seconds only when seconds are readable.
11.43
